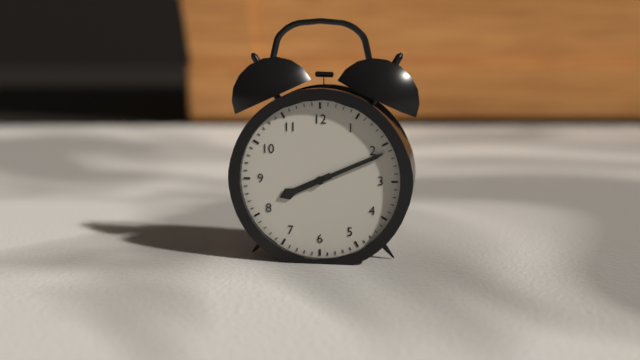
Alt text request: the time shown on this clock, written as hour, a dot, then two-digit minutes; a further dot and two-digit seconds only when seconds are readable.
8.11
